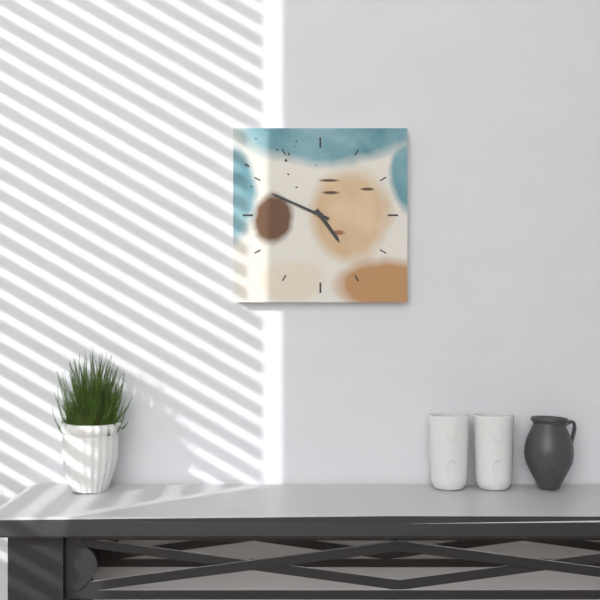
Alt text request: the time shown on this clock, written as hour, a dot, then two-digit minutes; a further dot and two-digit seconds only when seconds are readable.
4.49
